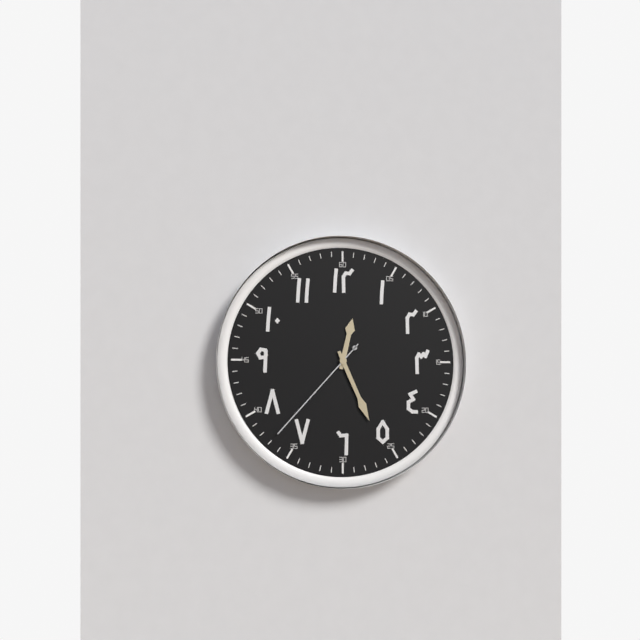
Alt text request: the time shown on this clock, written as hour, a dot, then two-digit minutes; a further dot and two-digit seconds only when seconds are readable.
12.26.37
